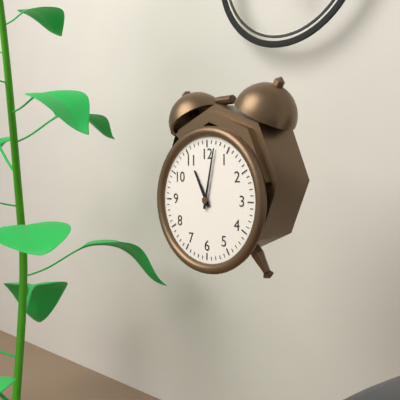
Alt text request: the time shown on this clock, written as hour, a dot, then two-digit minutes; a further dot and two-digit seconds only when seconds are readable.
11.02
